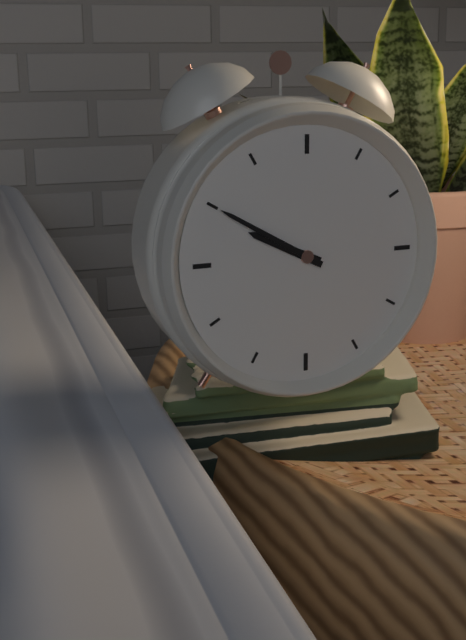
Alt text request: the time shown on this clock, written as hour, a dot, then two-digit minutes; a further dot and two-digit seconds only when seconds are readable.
9.50
